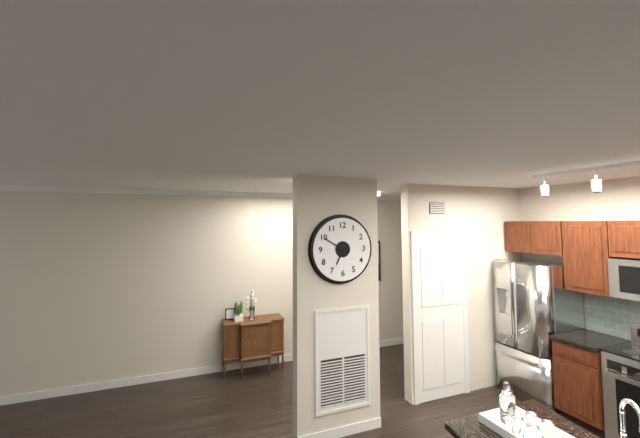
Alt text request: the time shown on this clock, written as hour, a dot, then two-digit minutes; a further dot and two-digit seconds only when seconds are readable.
6.50
